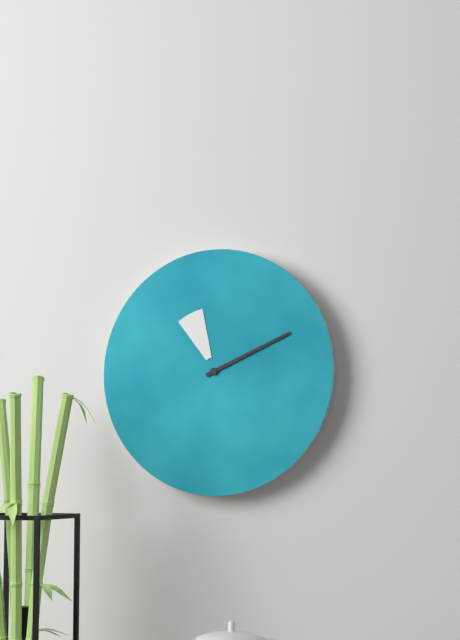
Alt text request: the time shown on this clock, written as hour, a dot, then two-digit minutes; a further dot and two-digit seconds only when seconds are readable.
11.11
